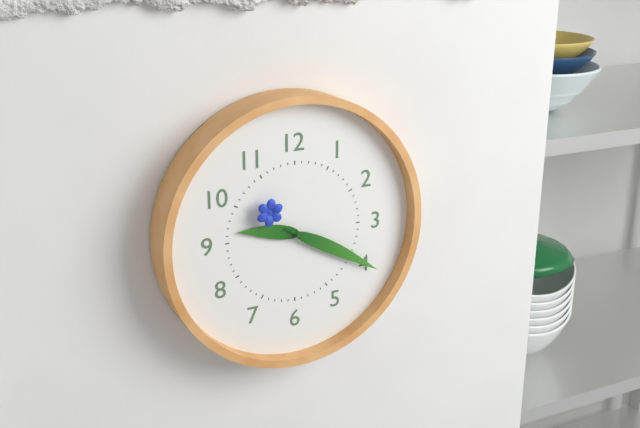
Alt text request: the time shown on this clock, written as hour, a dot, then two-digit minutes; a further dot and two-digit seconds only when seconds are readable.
9.20.52
